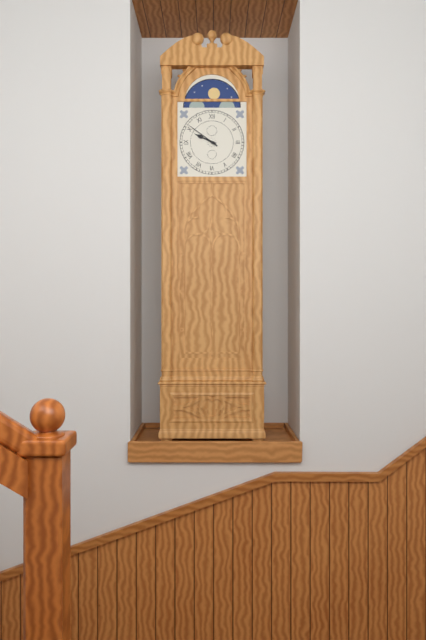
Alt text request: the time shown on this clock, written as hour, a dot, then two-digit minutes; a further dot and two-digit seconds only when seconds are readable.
9.51
